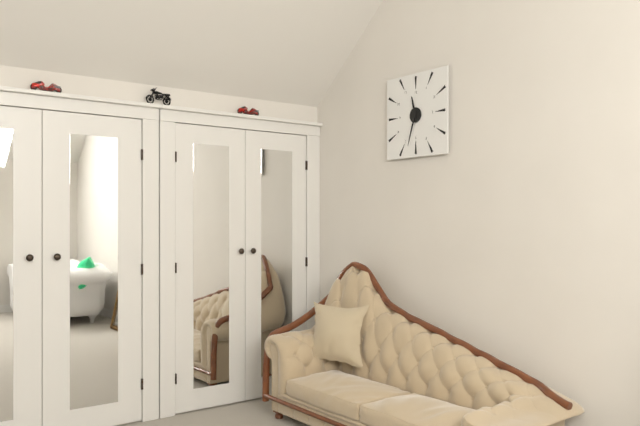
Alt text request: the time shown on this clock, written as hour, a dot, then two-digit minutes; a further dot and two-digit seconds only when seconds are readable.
11.33
